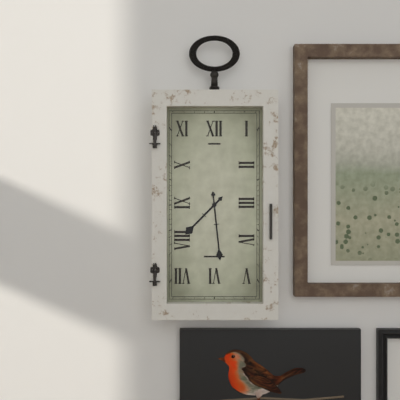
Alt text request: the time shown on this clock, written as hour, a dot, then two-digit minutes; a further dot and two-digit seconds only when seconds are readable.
7.29
